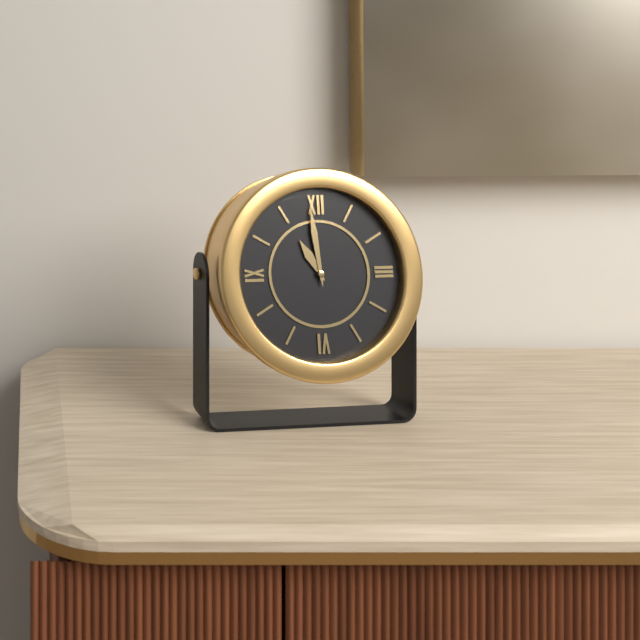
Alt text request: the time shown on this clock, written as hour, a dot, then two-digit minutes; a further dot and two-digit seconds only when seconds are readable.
10.59
